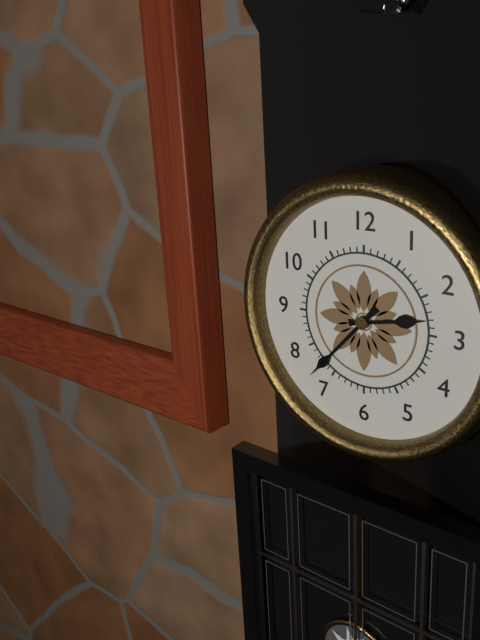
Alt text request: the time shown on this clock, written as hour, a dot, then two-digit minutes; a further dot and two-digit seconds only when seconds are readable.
2.37
